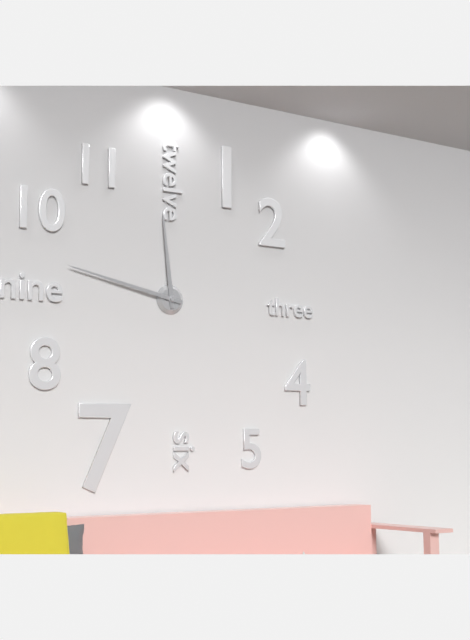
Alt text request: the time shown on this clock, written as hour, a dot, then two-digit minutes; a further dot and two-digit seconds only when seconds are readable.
11.47
